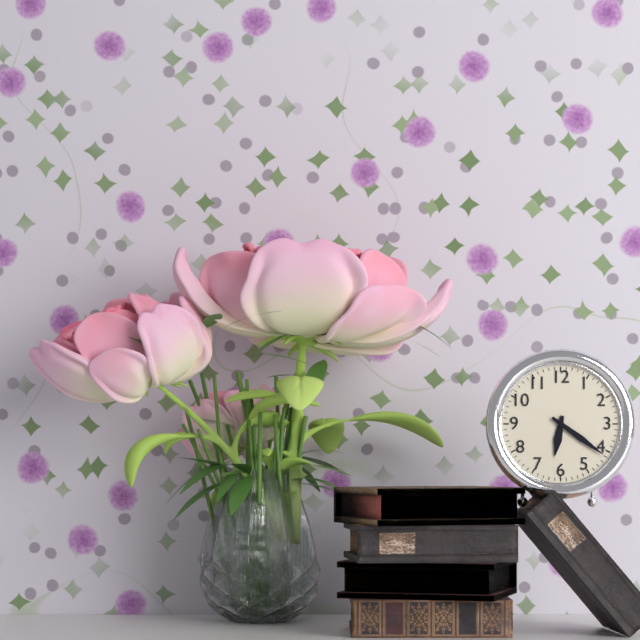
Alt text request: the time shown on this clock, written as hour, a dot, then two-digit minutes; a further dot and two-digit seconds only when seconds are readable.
6.21
